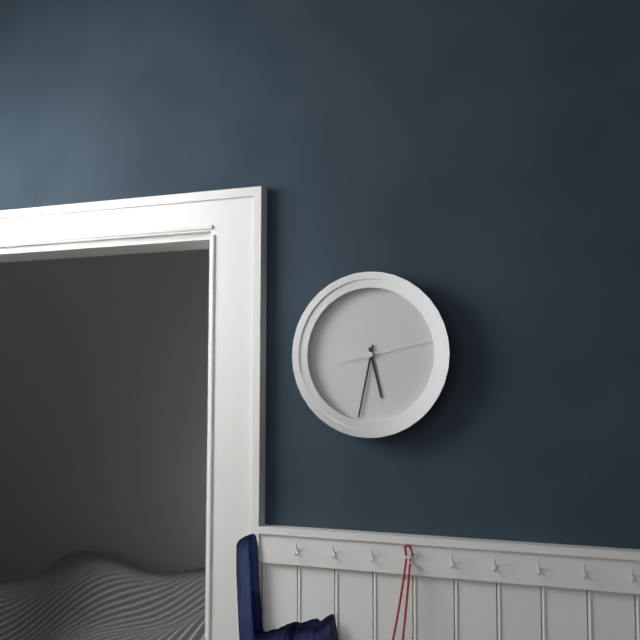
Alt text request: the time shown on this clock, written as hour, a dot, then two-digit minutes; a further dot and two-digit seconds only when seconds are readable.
5.32.13
